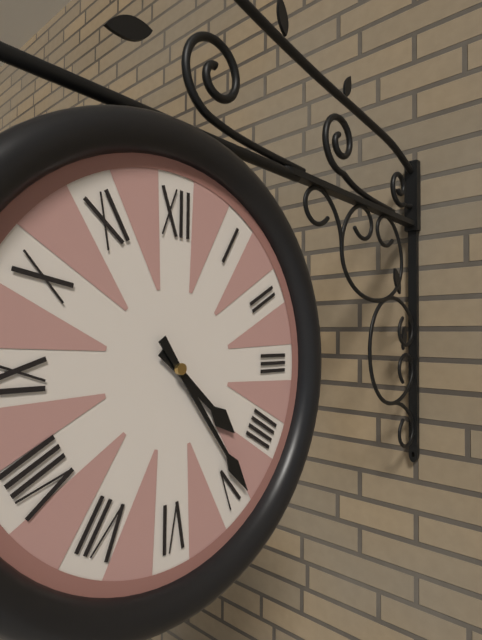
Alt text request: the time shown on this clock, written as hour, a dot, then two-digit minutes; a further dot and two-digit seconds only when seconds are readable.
4.24
